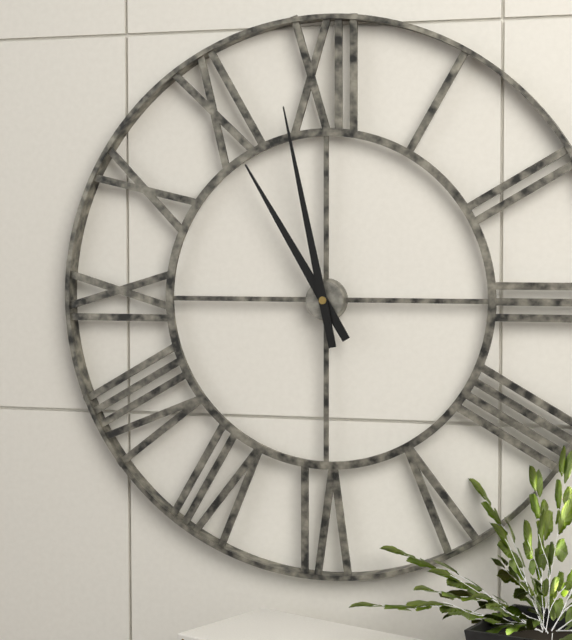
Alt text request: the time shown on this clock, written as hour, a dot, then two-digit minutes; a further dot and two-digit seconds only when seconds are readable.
10.58
